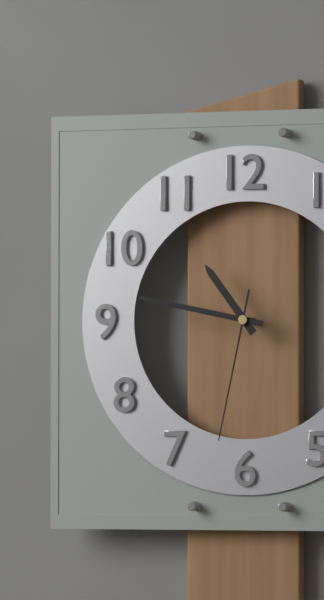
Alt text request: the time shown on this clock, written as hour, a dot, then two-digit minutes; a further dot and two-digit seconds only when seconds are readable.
10.47.32
